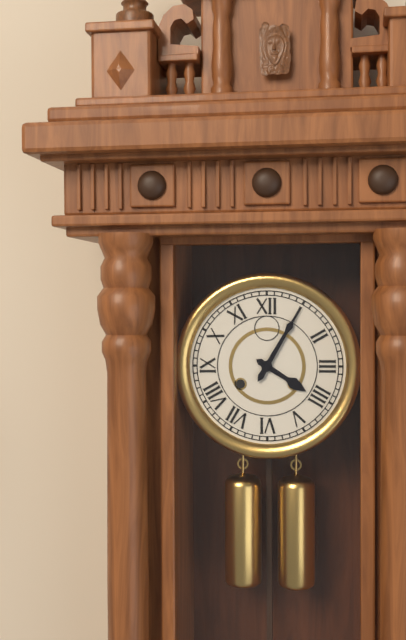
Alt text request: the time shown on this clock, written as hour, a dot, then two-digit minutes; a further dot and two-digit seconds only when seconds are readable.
4.05
